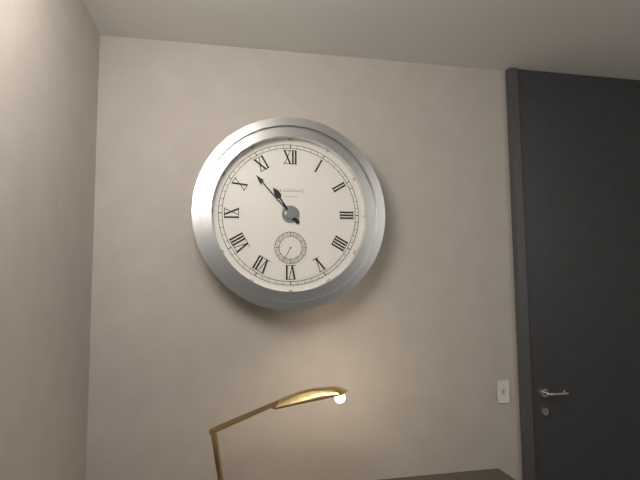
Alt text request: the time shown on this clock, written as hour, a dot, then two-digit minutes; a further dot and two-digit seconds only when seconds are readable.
10.53
